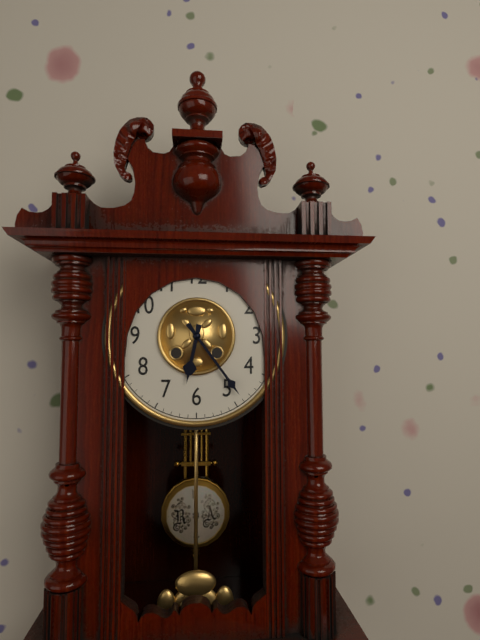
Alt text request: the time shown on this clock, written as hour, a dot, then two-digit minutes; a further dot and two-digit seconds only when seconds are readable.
6.24
